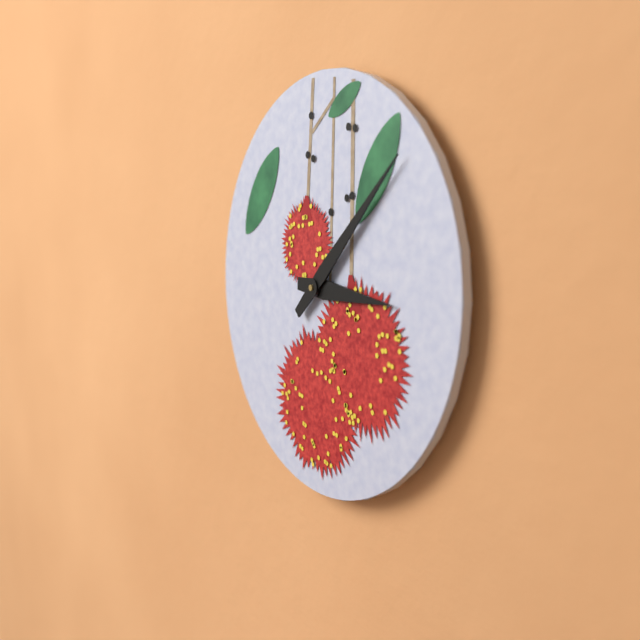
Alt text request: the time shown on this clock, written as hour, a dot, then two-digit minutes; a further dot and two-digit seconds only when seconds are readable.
3.08
